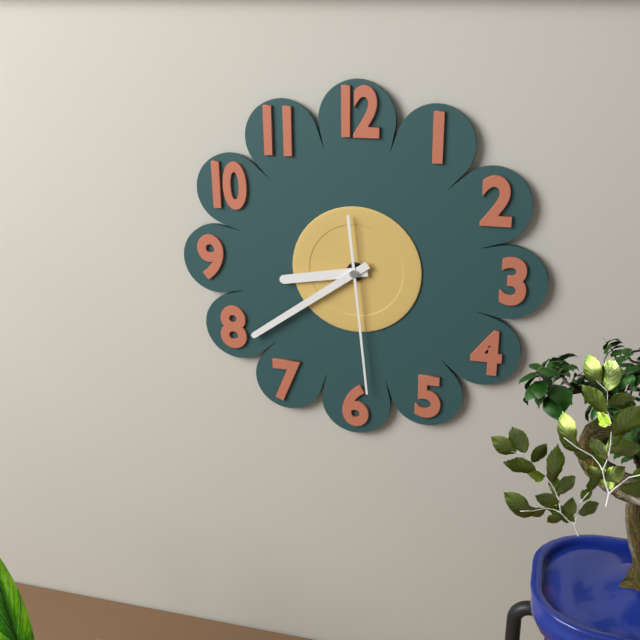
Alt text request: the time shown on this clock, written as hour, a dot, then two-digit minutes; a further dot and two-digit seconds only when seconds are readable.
8.39.29
